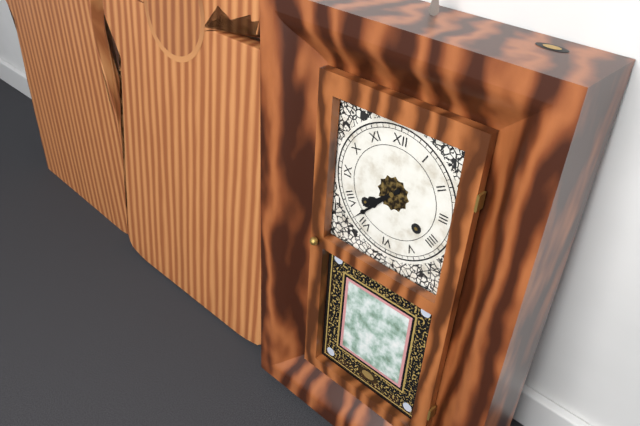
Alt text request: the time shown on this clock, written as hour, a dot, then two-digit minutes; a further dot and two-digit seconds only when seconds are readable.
7.37
